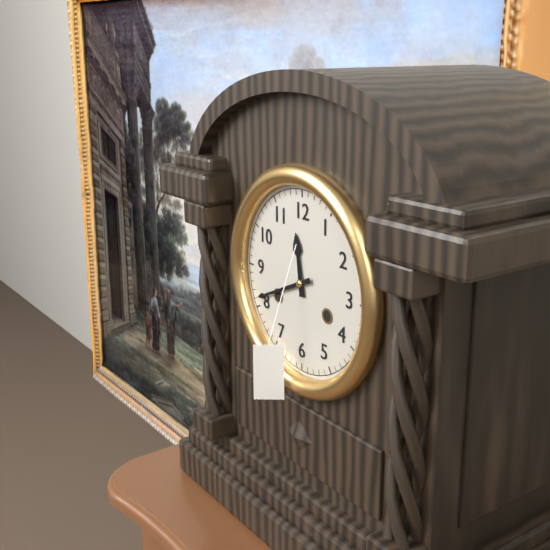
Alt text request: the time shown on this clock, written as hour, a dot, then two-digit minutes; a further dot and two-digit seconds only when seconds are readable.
11.41
